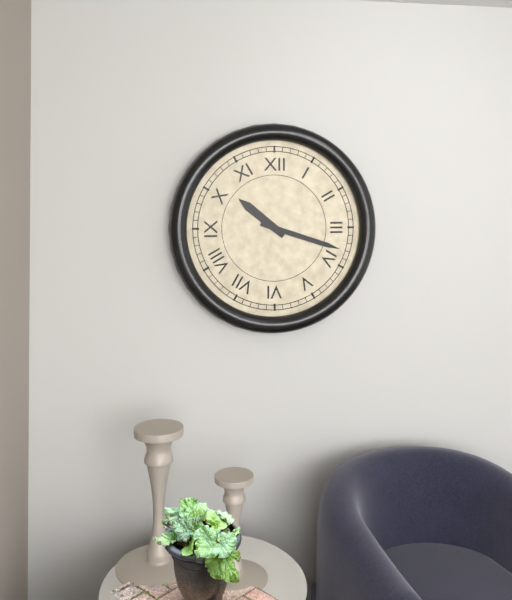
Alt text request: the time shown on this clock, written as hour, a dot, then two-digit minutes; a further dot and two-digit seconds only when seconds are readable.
10.18
